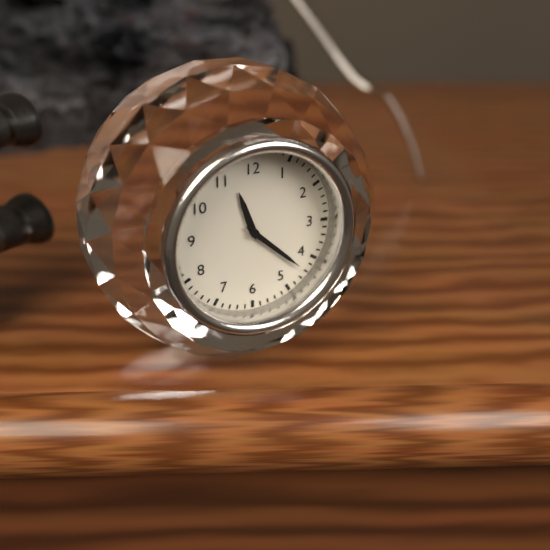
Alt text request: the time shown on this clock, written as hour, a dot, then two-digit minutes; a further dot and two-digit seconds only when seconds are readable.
11.22
